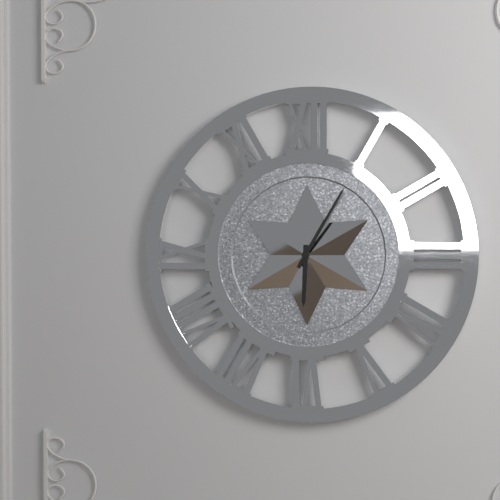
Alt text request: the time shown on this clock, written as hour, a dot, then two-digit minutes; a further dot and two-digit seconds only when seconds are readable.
6.05
